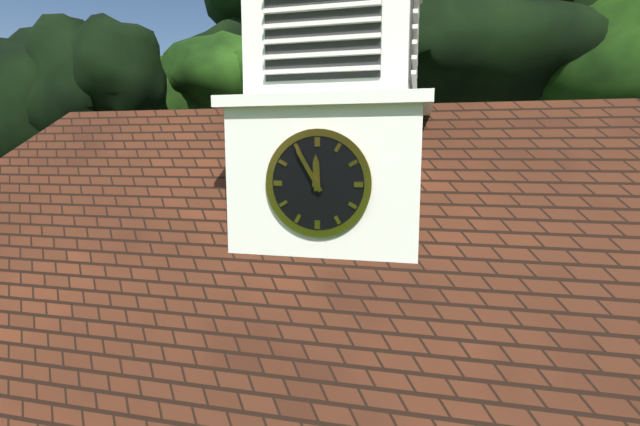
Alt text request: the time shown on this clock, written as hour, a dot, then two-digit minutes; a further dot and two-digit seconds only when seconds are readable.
11.55
